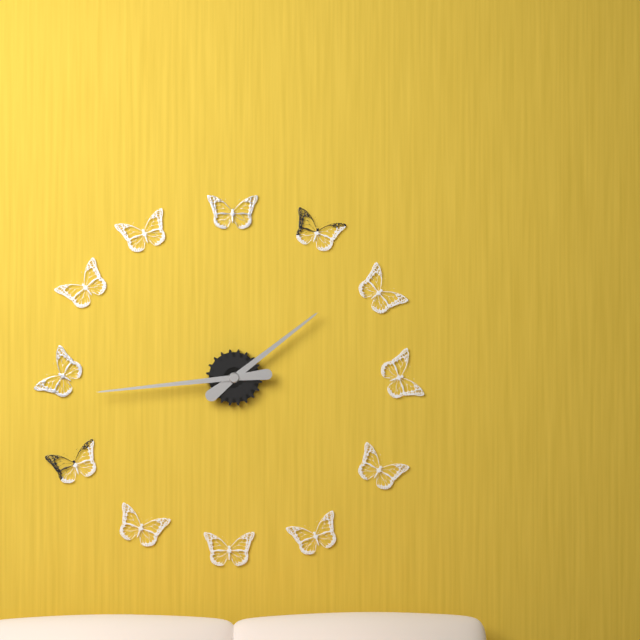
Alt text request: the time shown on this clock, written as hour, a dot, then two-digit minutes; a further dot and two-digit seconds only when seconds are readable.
1.44
